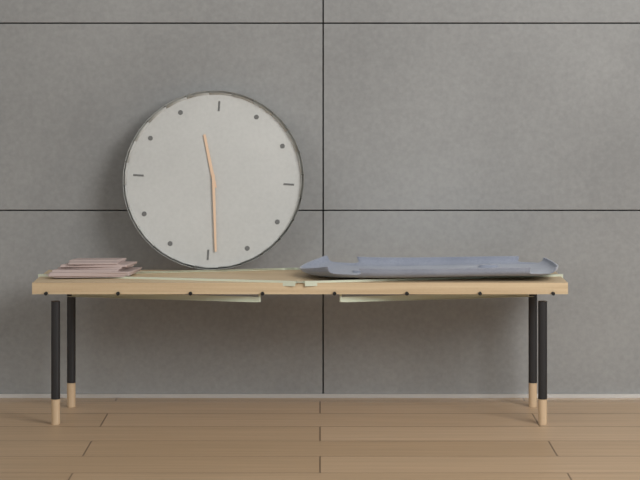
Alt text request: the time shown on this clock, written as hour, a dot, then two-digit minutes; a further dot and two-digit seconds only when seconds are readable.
11.29
